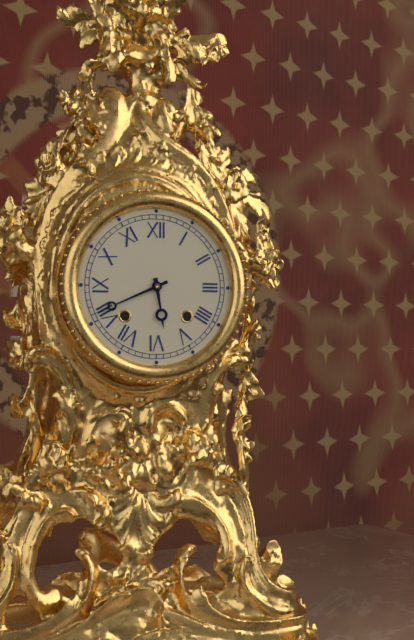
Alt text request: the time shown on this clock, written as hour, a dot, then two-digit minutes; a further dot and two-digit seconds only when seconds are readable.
5.41
